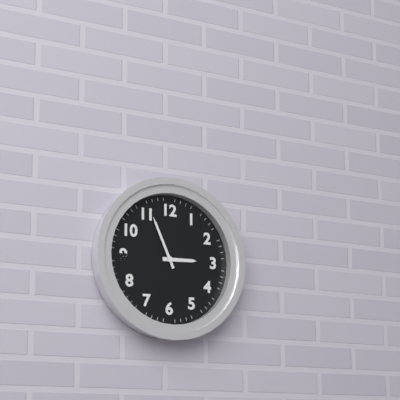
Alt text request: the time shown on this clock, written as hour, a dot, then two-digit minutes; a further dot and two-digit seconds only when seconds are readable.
2.56
